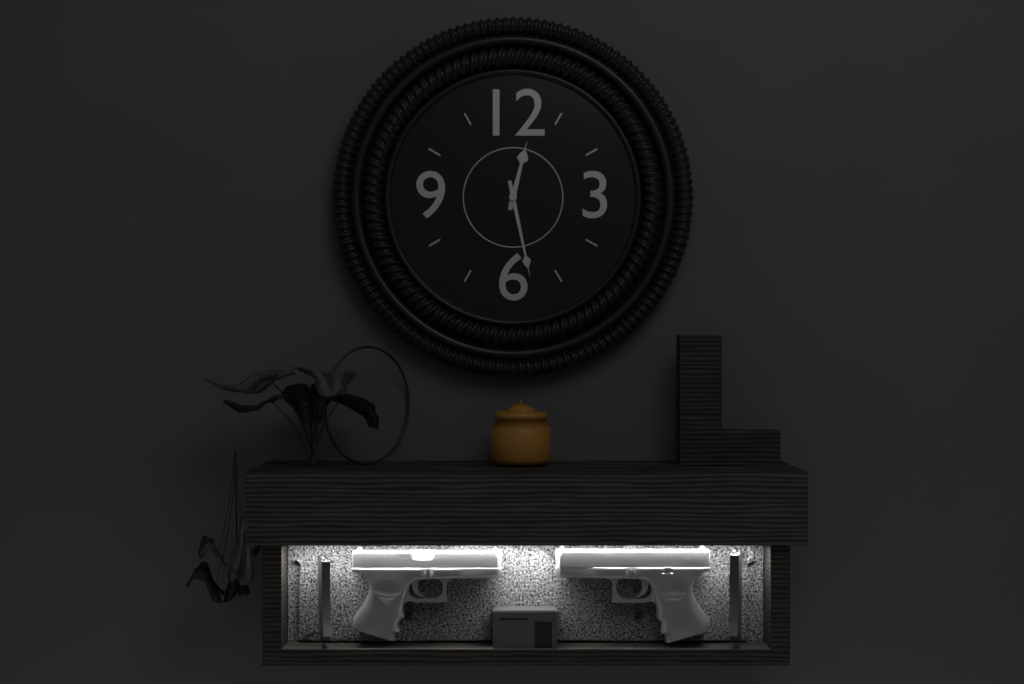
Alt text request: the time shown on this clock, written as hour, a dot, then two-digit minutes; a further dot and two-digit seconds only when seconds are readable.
12.28
